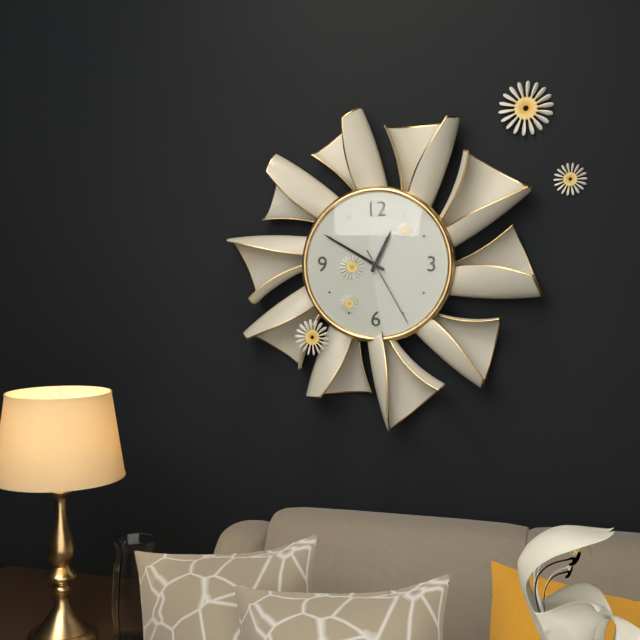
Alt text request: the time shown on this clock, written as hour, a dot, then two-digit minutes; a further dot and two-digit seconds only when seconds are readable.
12.50.25
